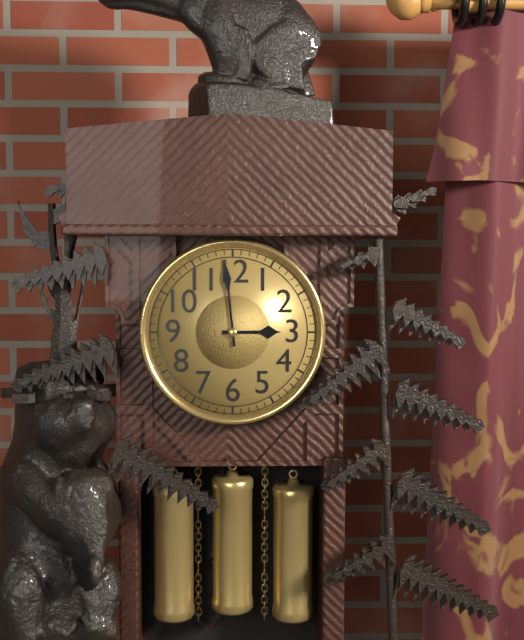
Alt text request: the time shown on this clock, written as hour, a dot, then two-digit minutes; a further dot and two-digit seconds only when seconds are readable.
2.59
